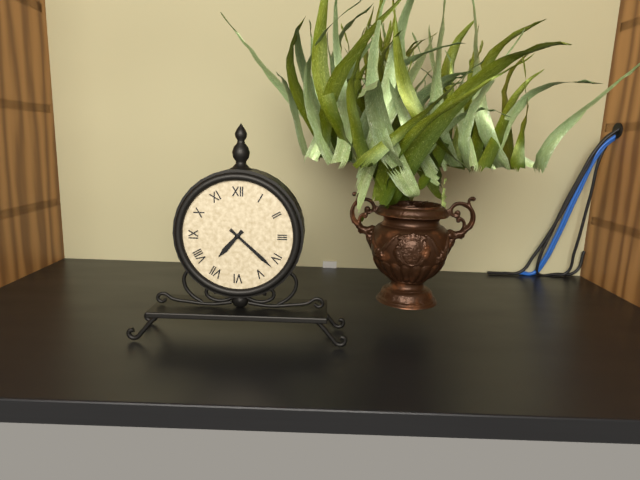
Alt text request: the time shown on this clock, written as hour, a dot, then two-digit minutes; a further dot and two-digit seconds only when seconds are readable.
7.22
